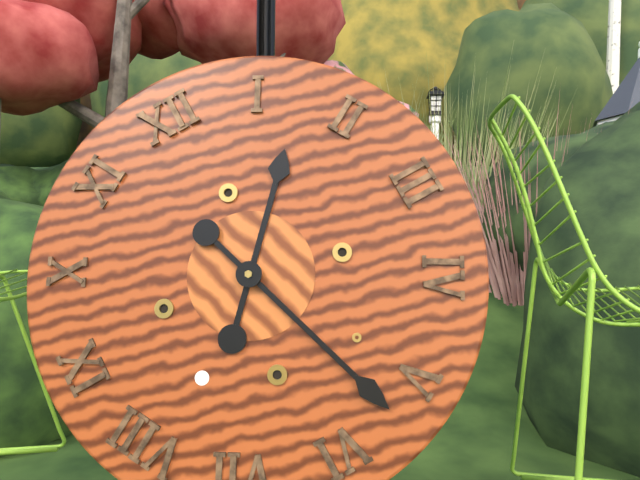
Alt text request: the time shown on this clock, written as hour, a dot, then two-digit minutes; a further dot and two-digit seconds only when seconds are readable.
1.27
